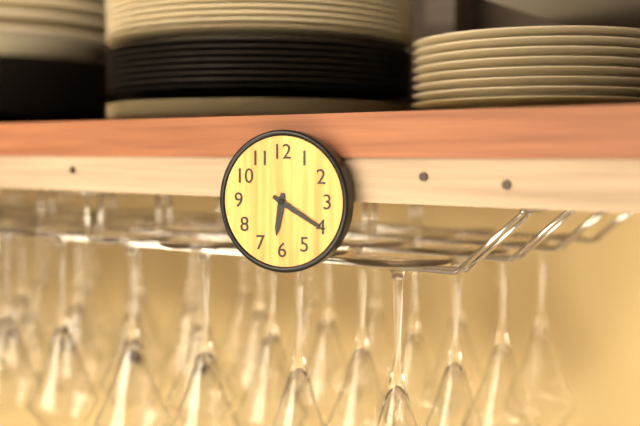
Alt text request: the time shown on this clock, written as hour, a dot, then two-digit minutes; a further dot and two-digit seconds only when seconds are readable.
6.20
